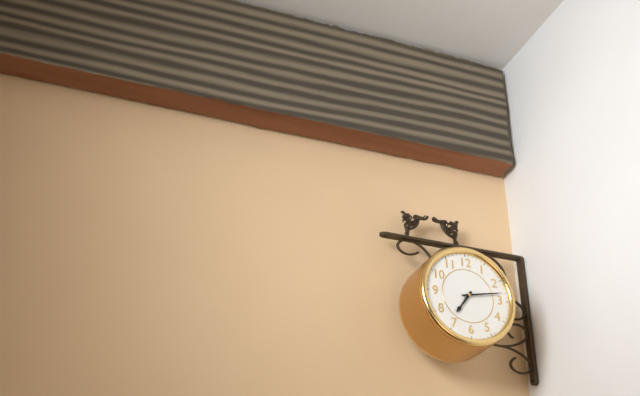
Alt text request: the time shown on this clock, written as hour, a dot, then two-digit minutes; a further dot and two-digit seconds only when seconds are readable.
7.13
